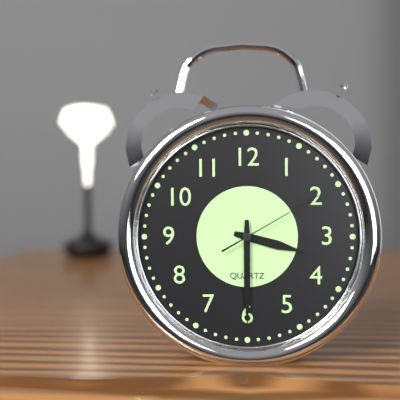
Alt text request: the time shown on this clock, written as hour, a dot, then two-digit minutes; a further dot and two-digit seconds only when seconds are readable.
3.30.10
